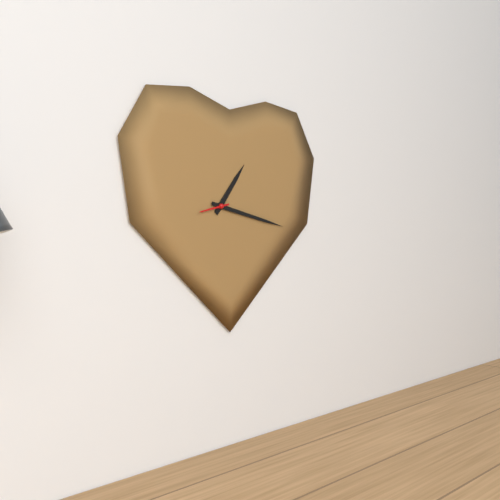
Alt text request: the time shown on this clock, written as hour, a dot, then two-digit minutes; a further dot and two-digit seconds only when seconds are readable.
1.17
